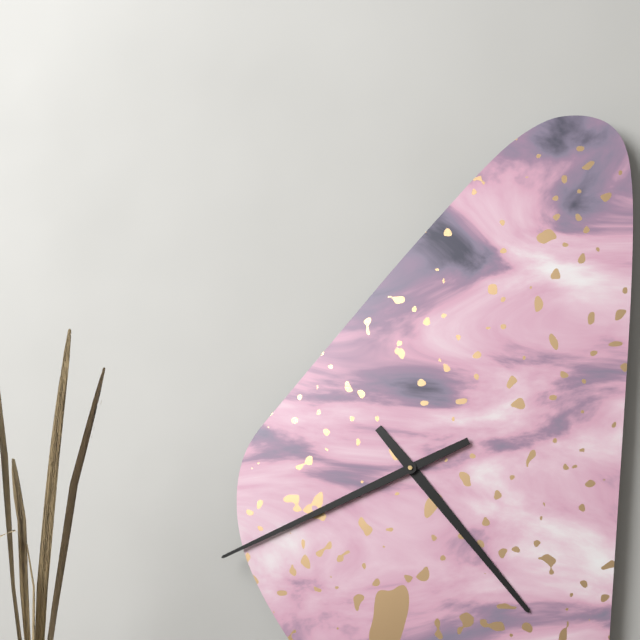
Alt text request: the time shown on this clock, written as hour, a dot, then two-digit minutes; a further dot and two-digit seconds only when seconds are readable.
4.41
